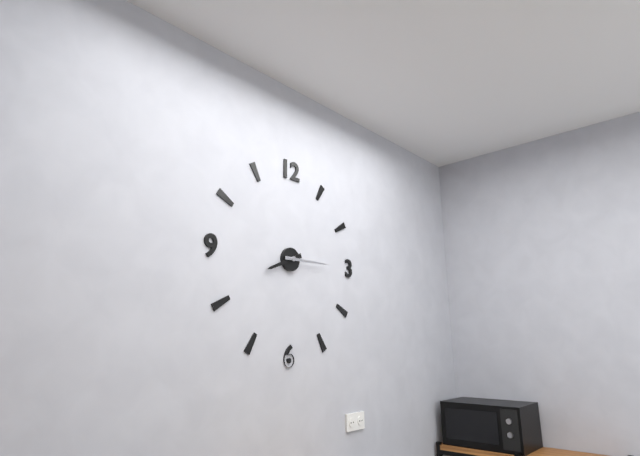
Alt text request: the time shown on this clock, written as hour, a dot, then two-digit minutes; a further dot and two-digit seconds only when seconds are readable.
8.15
